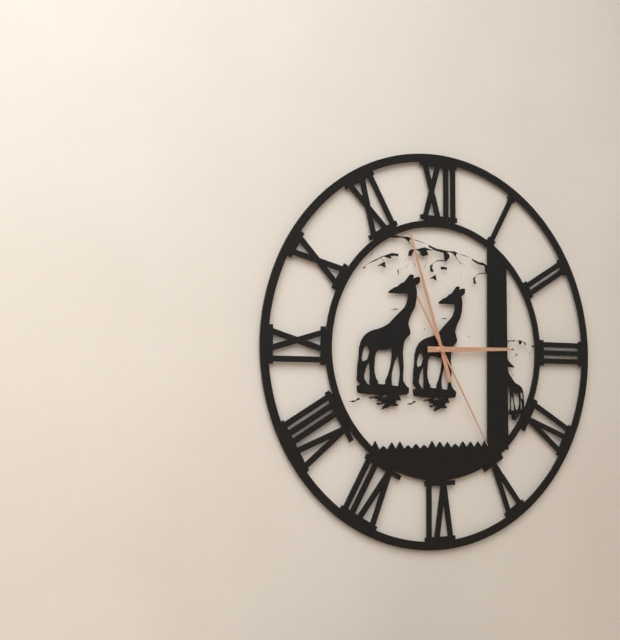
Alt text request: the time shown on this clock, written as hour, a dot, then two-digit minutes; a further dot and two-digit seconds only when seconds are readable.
2.57.25
